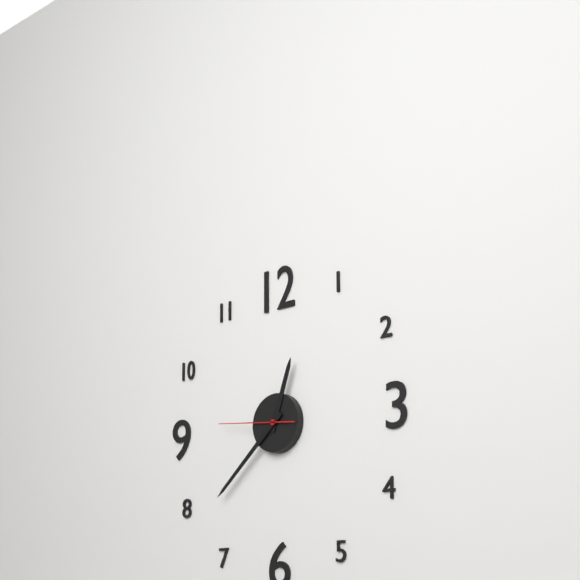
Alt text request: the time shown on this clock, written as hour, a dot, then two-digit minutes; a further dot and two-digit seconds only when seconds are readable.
12.38.46
